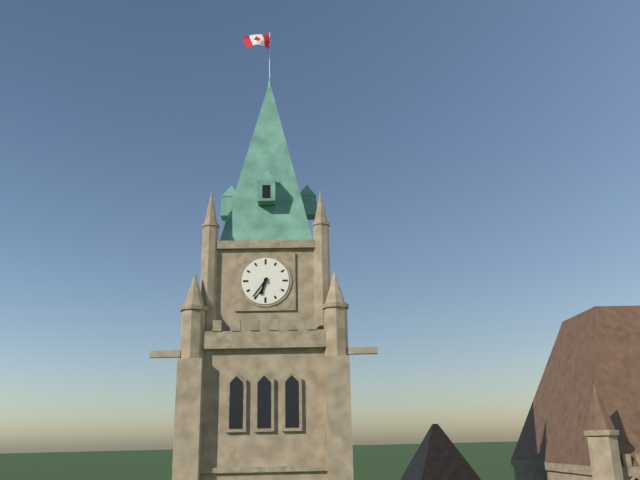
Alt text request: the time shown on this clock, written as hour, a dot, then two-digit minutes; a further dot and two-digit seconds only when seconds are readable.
6.36
